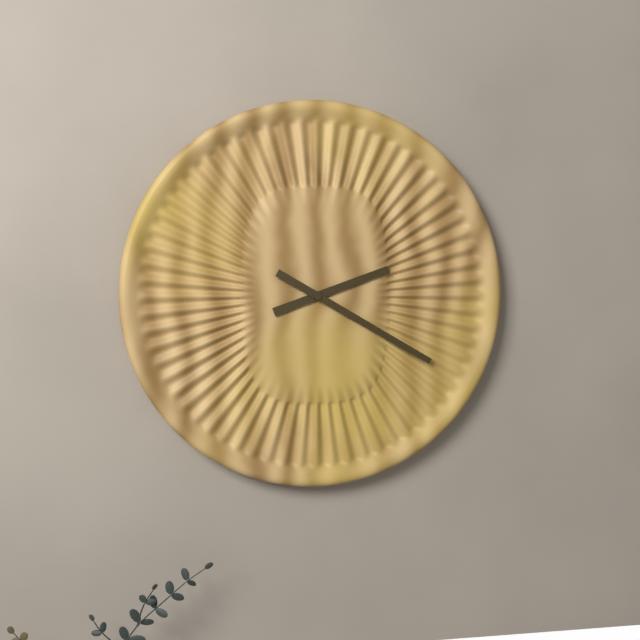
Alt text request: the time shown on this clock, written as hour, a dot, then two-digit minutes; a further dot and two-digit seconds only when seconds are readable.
2.20
